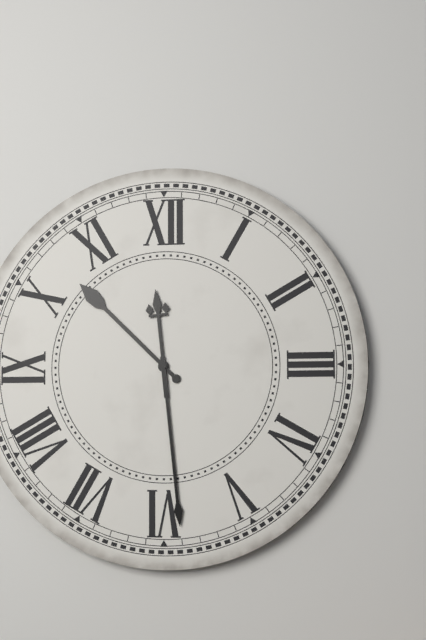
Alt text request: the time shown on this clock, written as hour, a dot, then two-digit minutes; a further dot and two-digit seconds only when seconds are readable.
10.29
